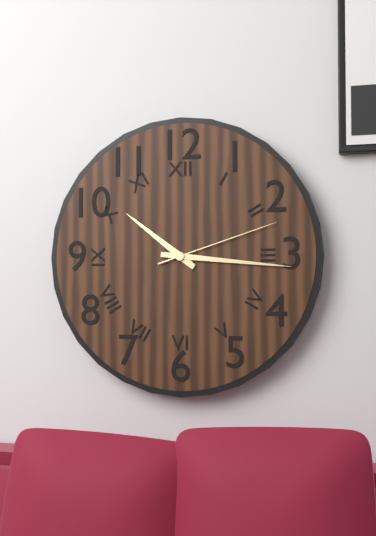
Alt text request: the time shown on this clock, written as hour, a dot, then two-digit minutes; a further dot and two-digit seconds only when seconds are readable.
10.16.12
